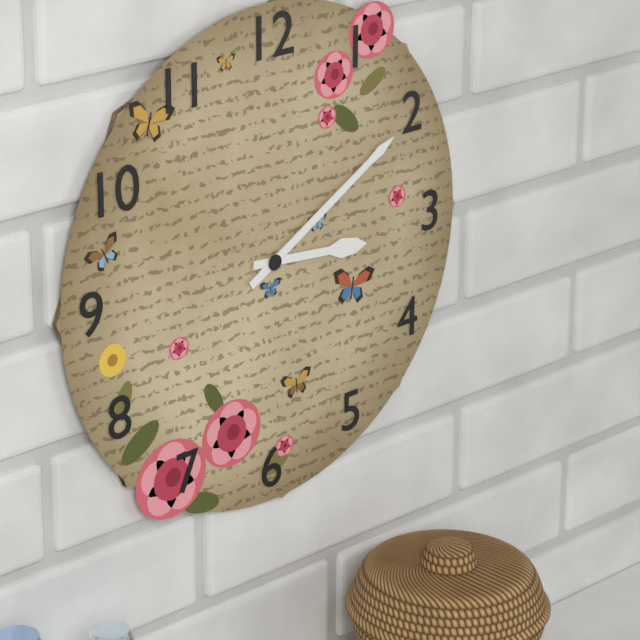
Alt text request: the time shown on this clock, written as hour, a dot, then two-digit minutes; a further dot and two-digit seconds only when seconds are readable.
3.10
